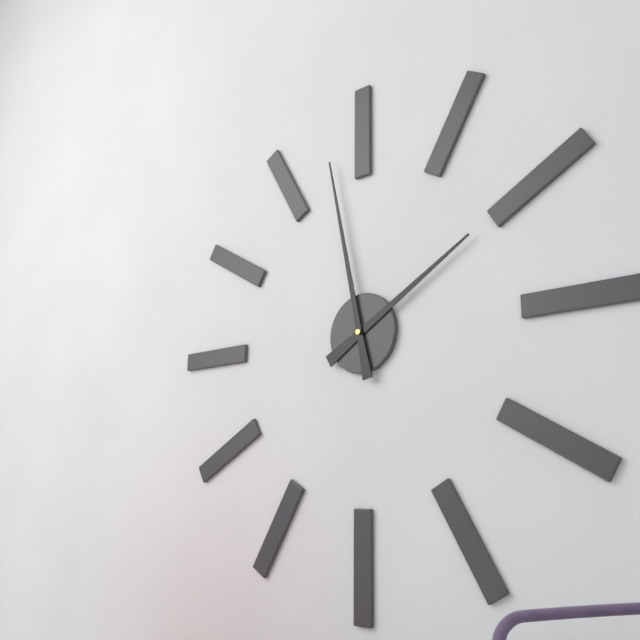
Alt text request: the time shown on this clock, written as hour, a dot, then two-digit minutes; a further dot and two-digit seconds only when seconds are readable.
1.58
